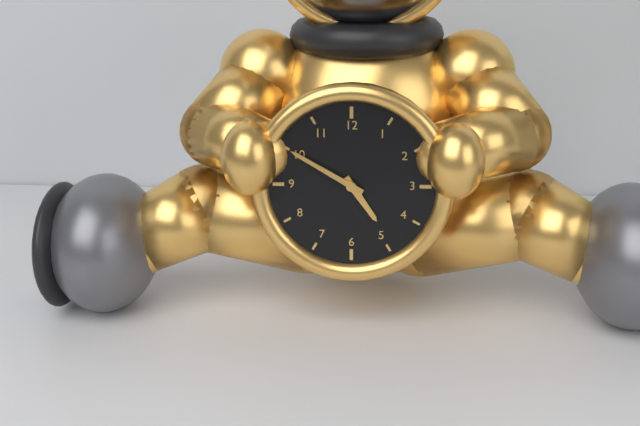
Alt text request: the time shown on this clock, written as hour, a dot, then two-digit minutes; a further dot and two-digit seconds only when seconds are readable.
4.50
